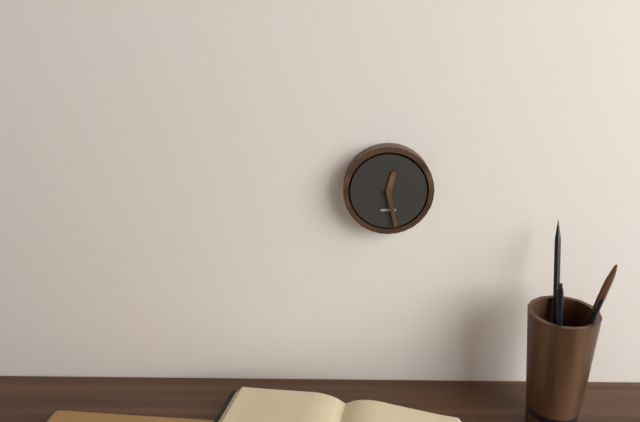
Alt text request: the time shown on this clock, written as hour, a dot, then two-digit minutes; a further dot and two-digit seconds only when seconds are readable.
12.28
